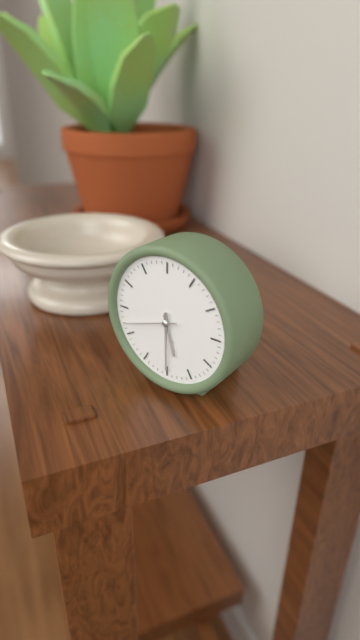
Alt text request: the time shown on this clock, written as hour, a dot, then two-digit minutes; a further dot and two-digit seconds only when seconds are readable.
5.30.42
